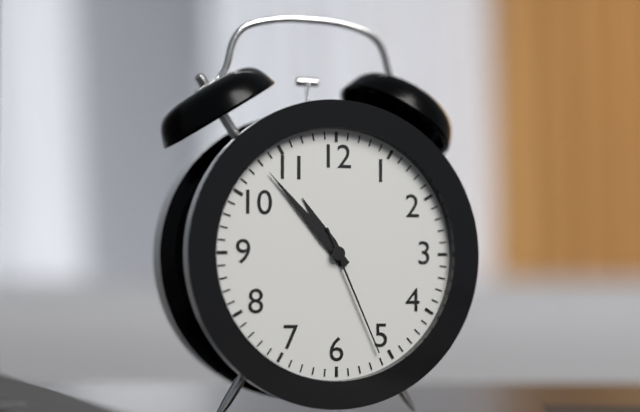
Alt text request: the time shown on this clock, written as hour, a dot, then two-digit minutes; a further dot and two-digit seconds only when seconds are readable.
10.53.26
